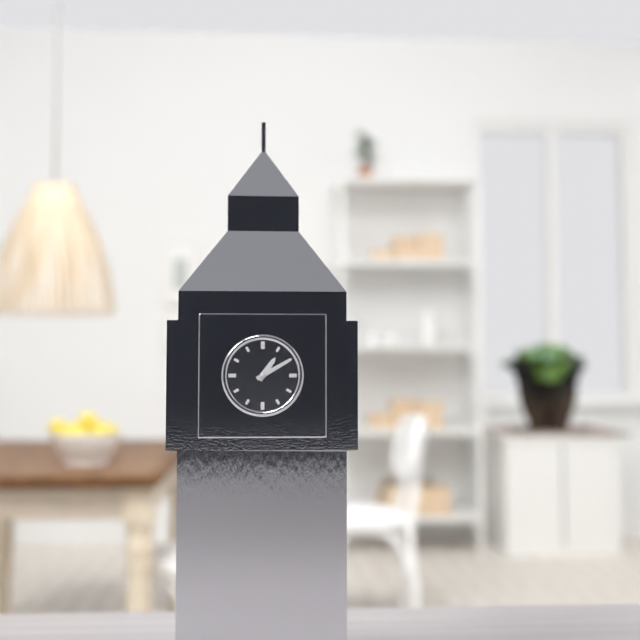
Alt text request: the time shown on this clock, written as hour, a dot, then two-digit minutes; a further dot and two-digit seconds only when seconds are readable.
1.10
